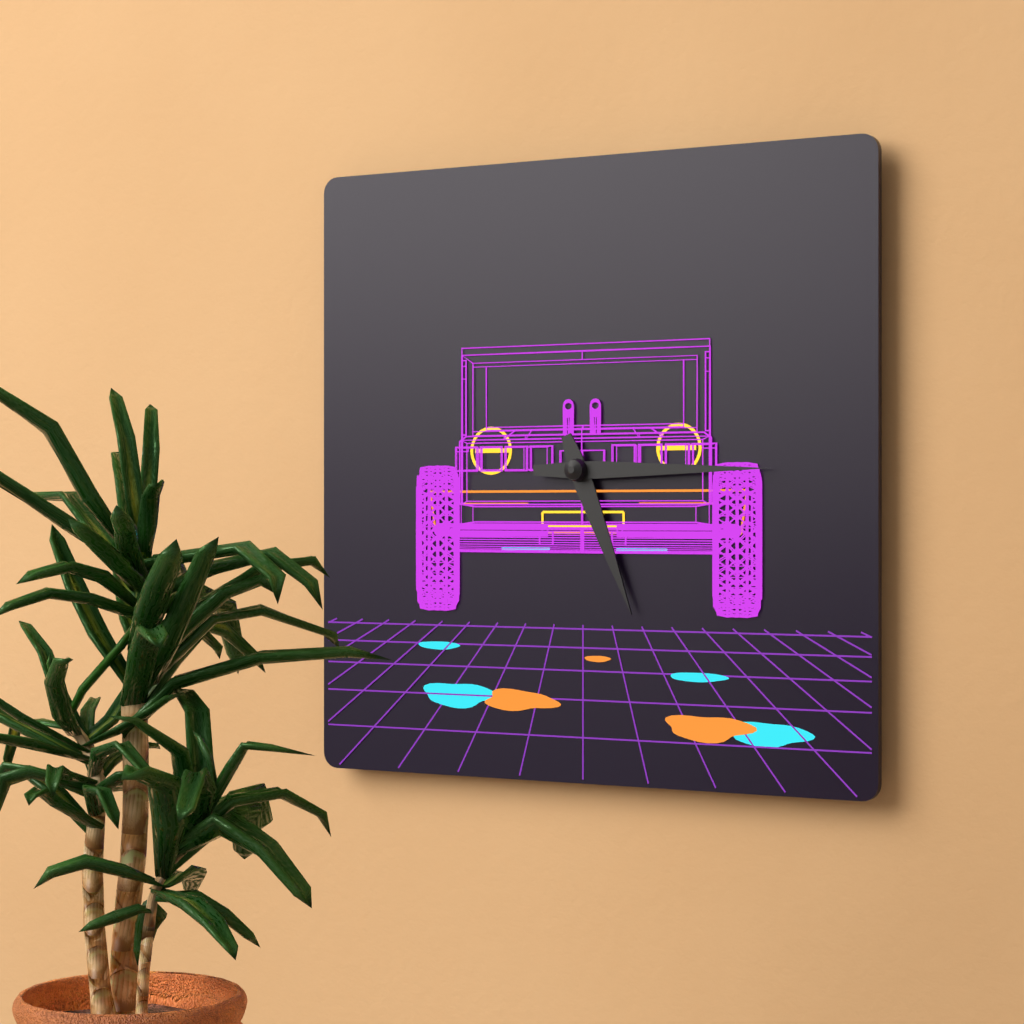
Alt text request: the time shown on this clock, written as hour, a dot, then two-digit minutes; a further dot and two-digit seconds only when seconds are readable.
5.15
